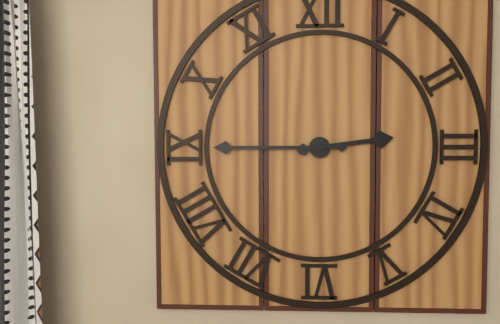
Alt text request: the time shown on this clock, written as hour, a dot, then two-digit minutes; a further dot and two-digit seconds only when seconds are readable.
2.45
